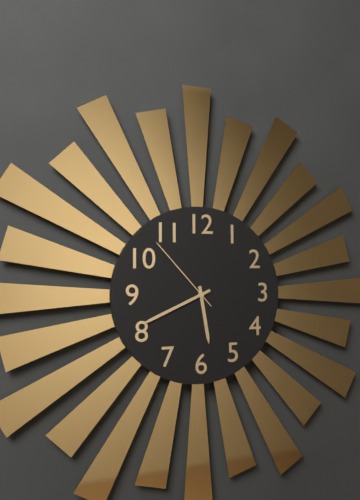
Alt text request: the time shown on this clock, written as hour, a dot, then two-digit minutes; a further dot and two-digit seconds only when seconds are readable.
5.41.53
